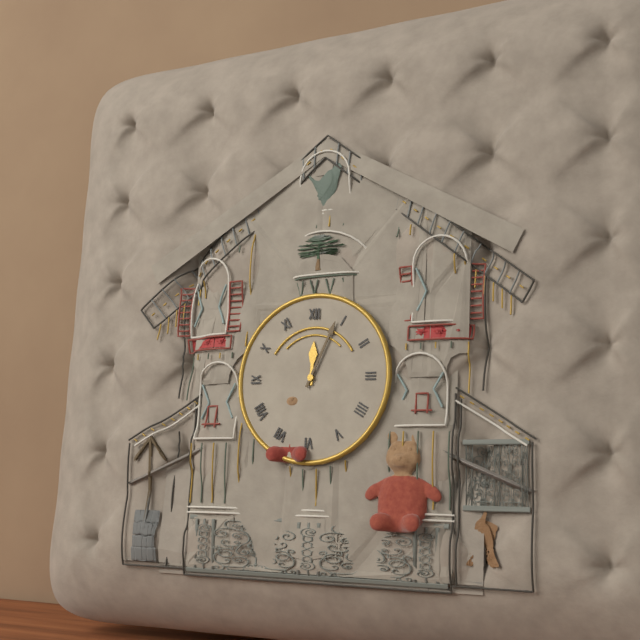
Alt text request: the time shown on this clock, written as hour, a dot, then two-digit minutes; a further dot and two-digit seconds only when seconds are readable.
12.04
